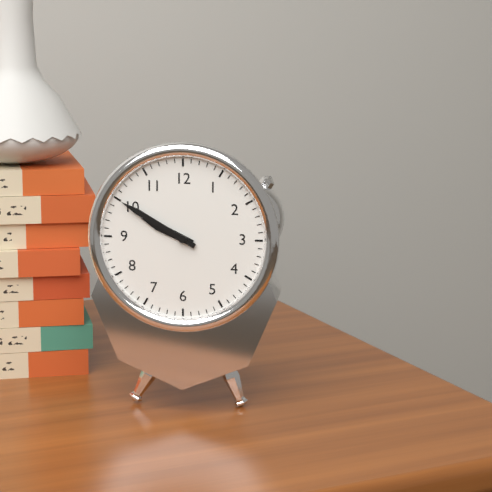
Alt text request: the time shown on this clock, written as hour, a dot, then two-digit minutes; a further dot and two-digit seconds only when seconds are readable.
9.50
